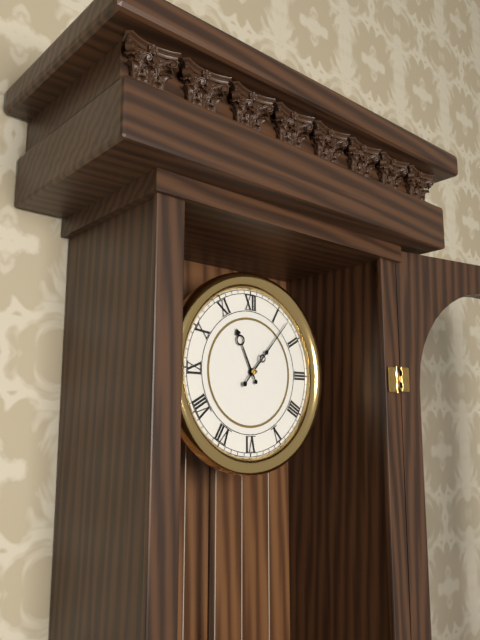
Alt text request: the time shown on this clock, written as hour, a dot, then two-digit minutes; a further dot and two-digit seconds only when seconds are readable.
11.07
